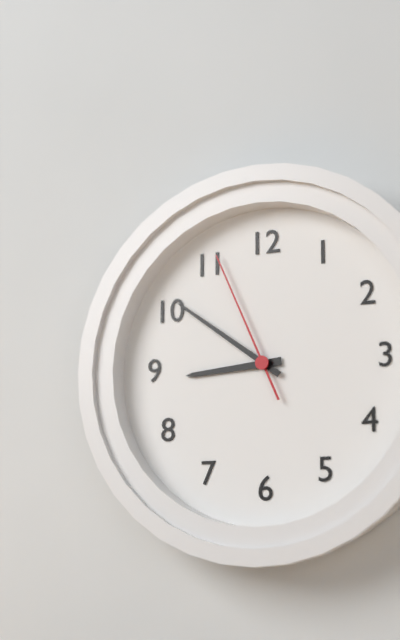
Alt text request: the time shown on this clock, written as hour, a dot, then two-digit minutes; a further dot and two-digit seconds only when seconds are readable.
8.51.56
